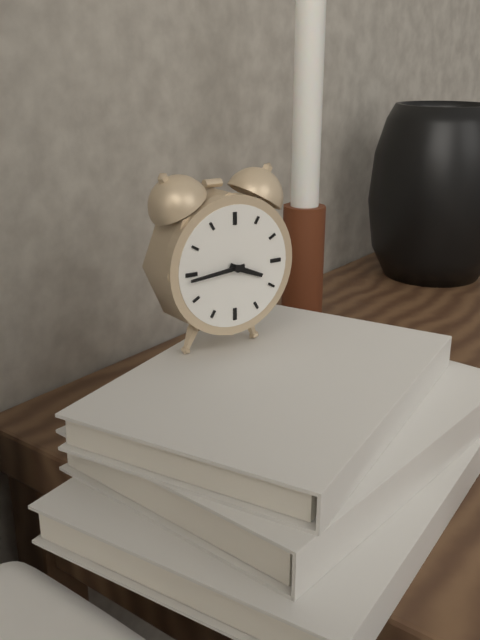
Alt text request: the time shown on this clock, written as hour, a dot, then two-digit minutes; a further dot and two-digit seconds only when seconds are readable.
3.44
